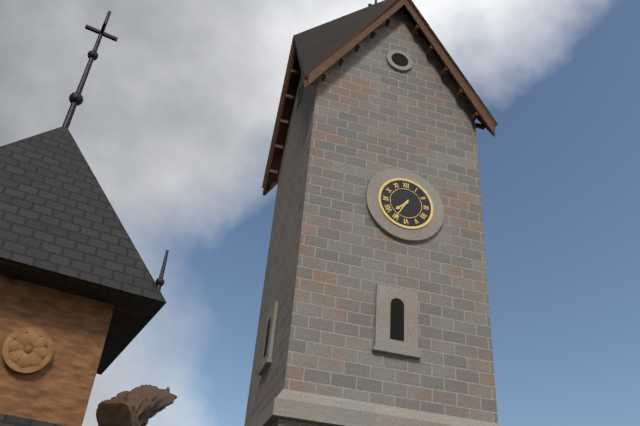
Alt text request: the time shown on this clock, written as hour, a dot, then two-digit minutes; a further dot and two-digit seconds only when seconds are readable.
7.35
